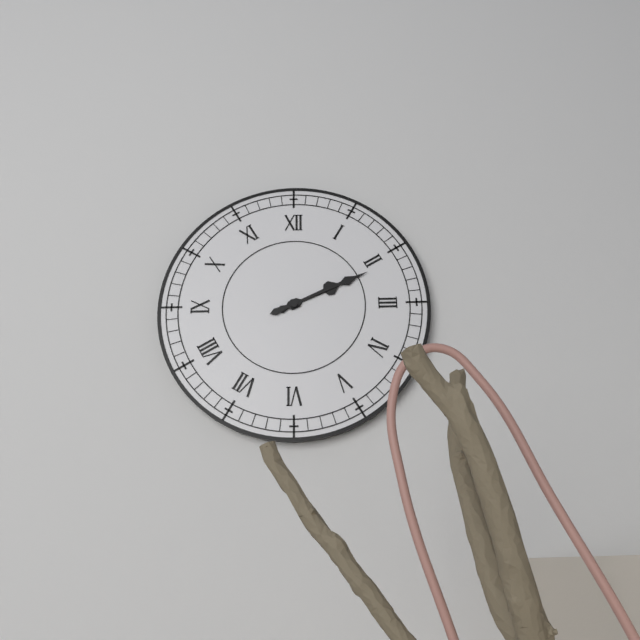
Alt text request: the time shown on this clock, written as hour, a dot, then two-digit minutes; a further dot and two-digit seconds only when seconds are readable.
2.11
